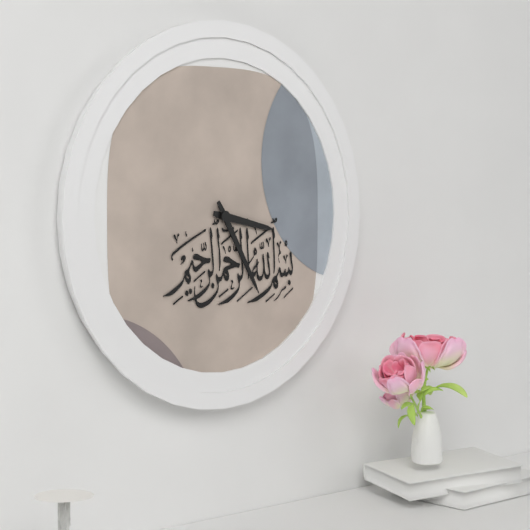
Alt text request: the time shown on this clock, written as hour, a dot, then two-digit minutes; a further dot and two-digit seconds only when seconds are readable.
3.25
